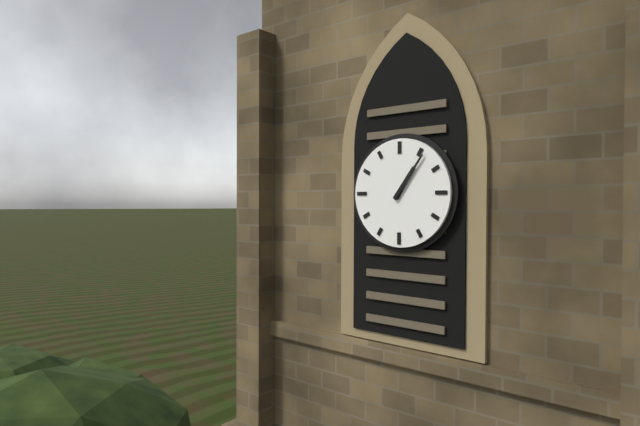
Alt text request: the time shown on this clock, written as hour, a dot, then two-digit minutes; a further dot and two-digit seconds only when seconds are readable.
1.06
